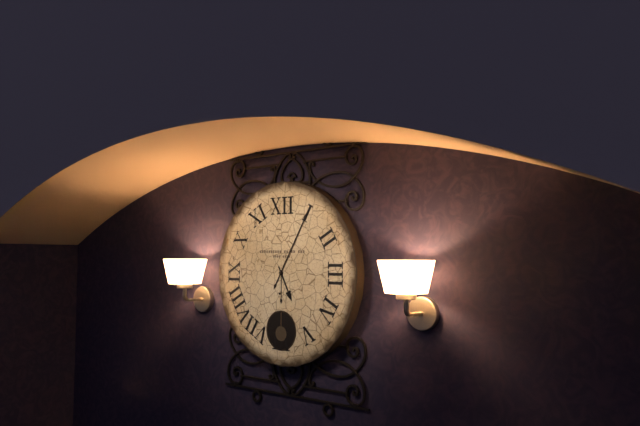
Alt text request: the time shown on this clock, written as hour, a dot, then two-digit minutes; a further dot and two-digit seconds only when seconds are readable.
5.05
